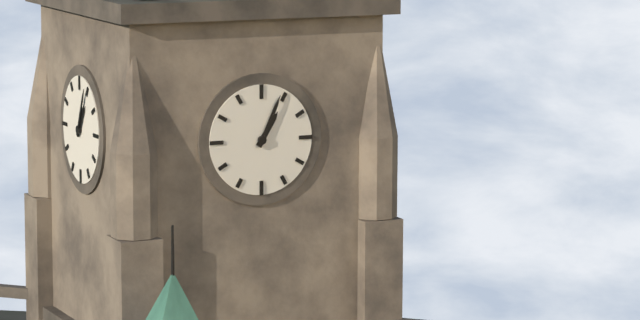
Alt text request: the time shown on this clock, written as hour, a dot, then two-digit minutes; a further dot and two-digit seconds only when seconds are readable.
1.04
